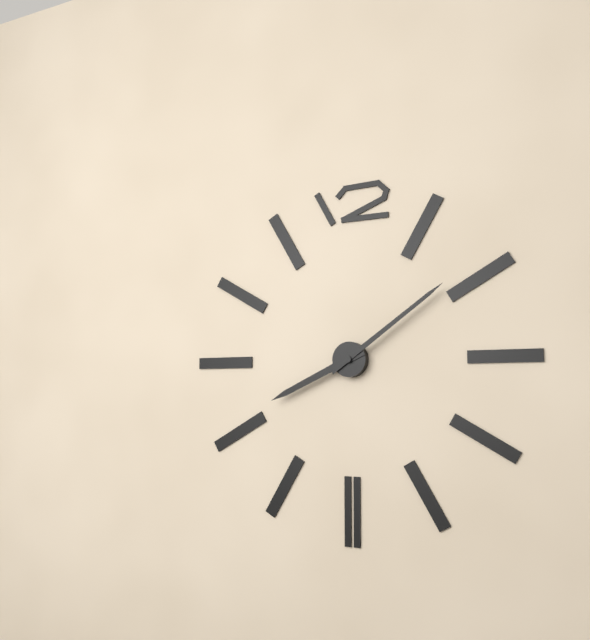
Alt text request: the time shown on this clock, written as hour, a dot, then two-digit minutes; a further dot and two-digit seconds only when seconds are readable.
8.09
